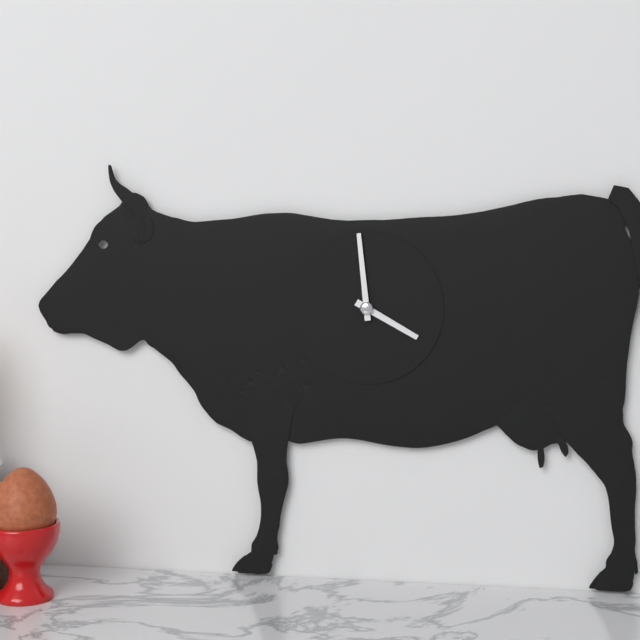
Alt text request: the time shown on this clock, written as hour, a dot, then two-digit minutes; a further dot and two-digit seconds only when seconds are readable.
3.59
